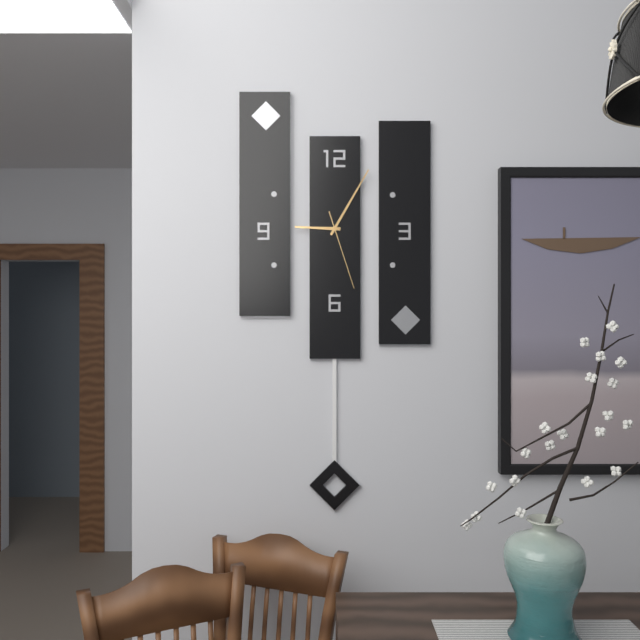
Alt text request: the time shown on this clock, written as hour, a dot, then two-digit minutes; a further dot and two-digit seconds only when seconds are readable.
9.05.27
